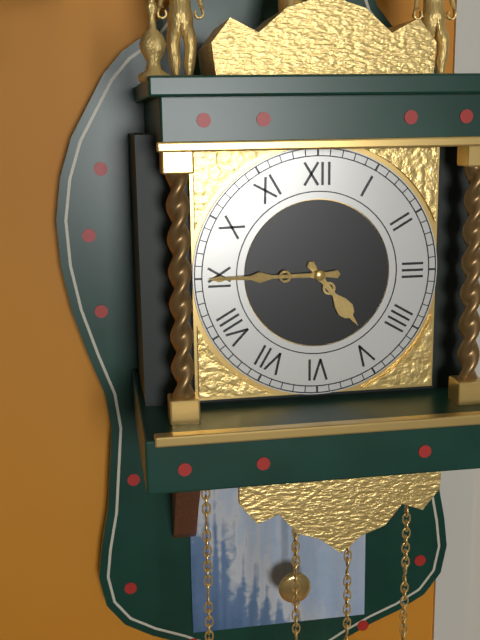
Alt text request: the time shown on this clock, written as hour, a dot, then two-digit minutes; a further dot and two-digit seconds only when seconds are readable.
4.45
